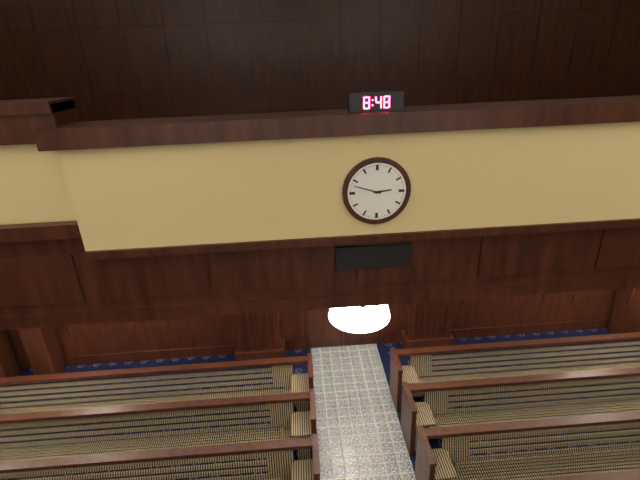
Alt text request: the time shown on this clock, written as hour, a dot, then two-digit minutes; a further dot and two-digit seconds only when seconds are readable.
2.48
